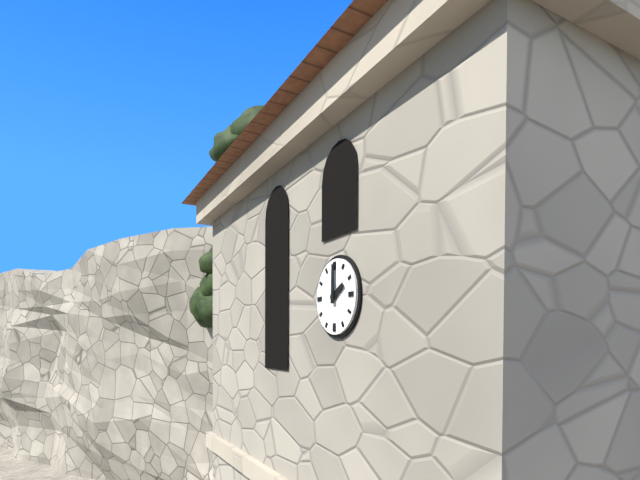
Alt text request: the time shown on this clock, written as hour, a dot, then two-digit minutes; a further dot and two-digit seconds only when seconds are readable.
2.00
